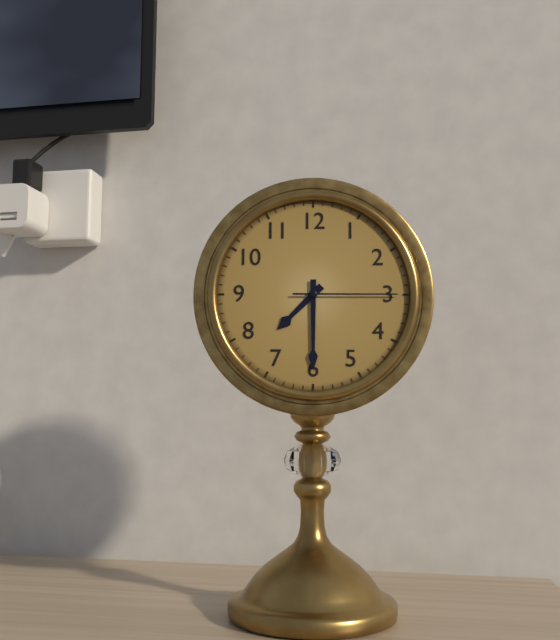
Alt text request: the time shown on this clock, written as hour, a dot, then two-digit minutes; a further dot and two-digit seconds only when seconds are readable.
7.30.15
